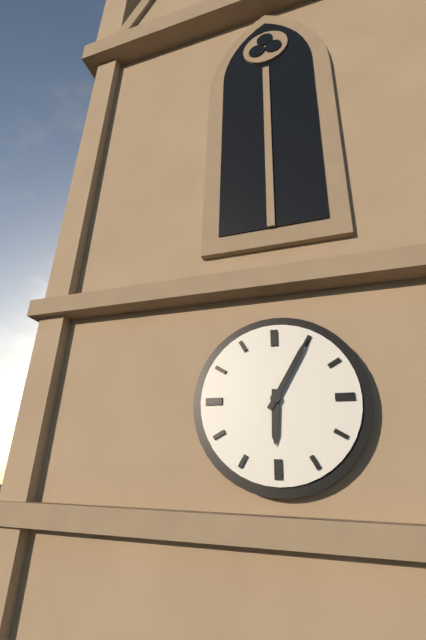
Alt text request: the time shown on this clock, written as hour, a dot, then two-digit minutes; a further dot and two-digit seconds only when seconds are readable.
6.05
